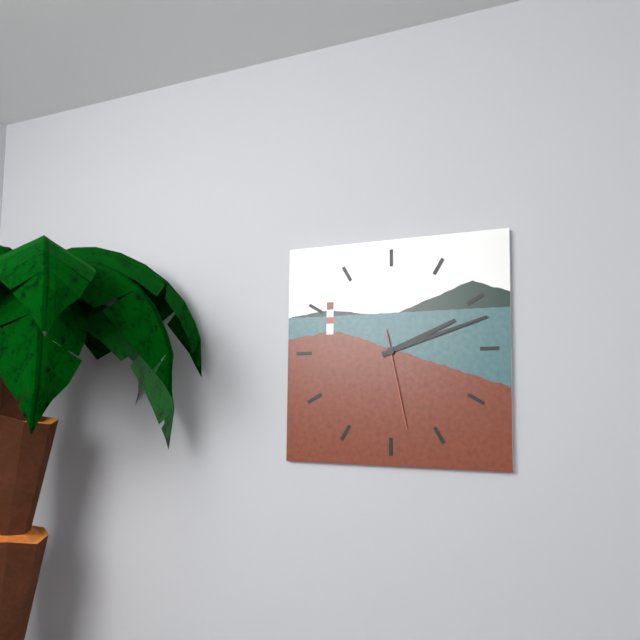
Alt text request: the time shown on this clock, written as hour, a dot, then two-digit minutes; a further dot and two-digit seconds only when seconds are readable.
2.12.28
